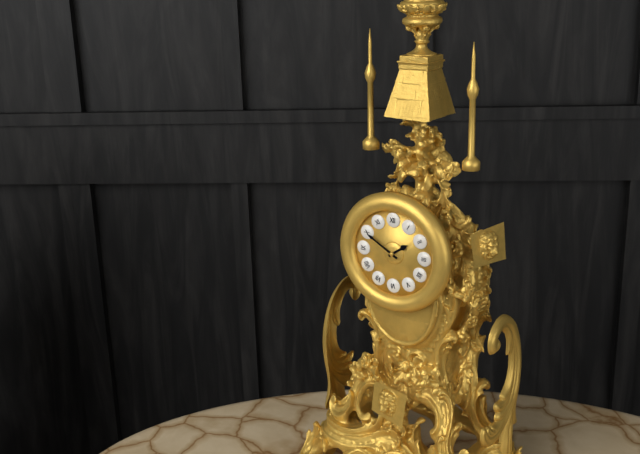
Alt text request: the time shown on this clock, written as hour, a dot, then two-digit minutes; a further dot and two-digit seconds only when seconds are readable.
1.50
